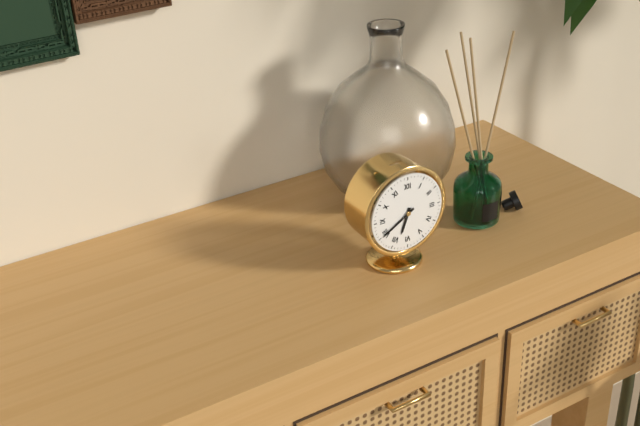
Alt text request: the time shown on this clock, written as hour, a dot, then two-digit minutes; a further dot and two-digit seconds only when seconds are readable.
6.40
